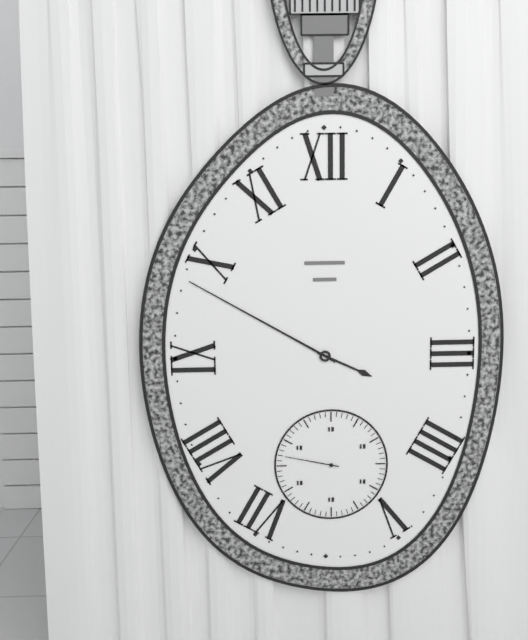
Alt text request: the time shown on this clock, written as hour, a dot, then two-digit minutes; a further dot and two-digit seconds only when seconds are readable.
3.50.47
